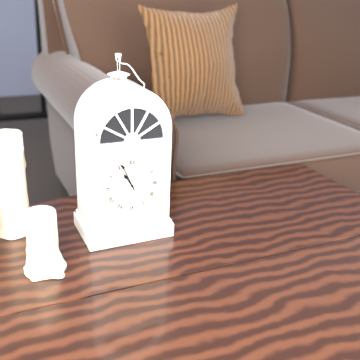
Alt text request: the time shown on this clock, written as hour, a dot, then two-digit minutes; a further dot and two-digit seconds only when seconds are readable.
10.56
